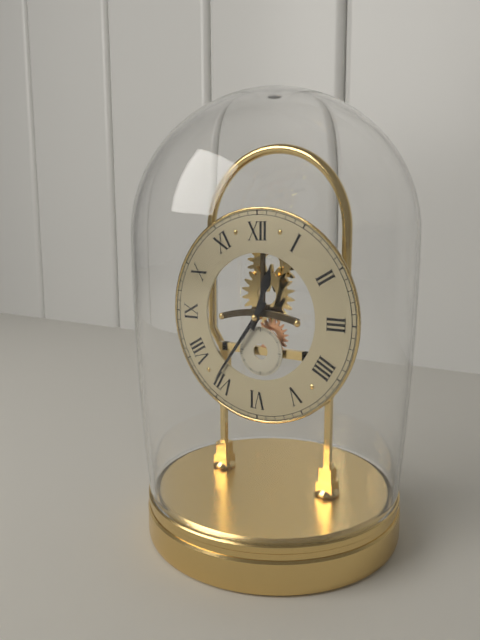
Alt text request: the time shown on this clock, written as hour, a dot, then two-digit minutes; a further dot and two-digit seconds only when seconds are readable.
12.36
